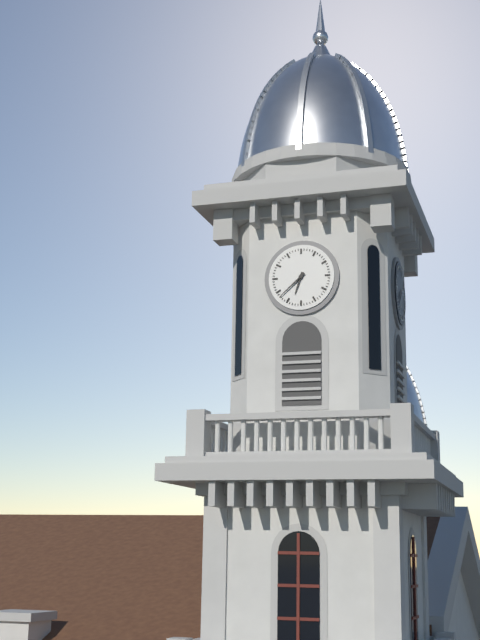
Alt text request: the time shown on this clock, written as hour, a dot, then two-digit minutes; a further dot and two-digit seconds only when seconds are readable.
6.38
